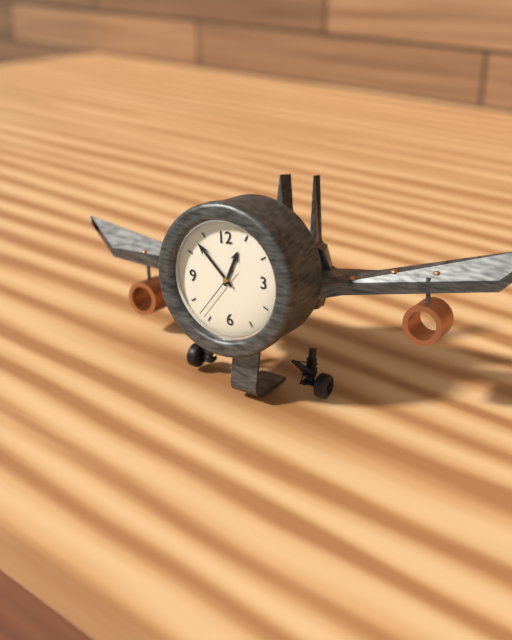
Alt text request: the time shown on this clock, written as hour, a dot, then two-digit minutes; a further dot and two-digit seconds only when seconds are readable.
12.53.37
